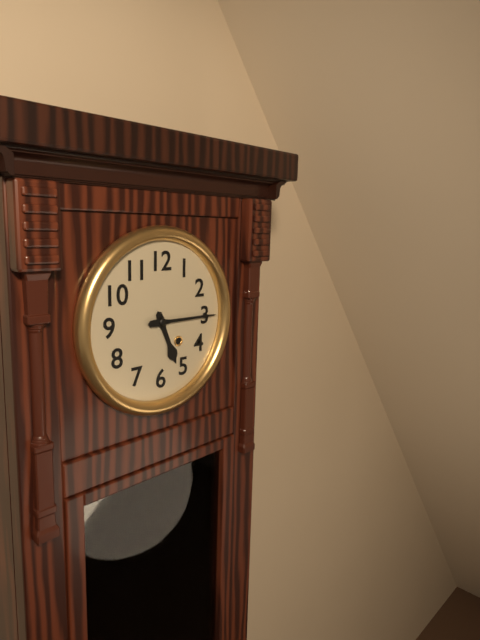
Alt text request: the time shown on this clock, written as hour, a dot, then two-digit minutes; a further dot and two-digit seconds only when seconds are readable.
5.15
